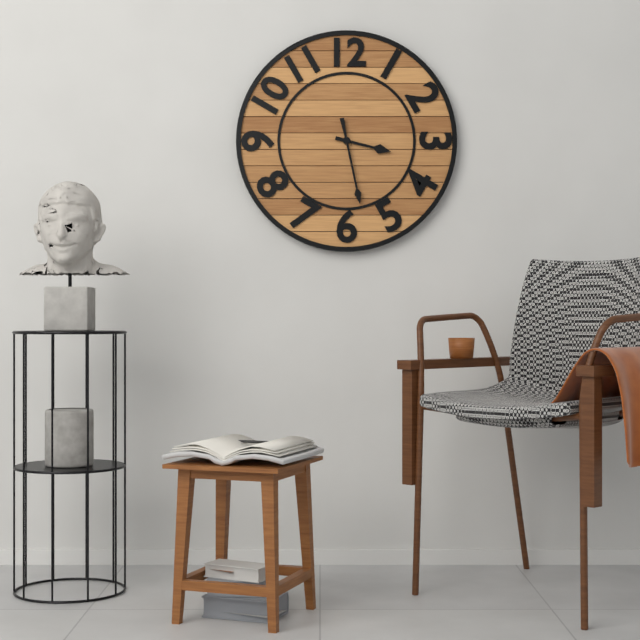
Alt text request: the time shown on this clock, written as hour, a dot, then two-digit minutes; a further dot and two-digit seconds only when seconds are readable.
3.28
